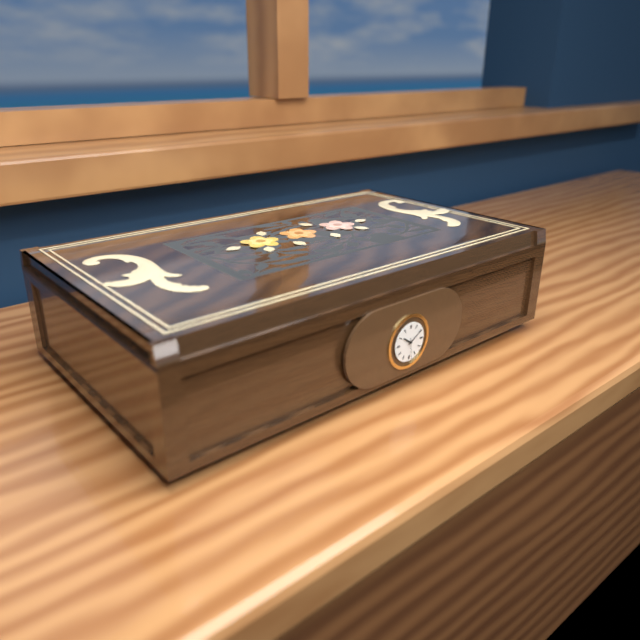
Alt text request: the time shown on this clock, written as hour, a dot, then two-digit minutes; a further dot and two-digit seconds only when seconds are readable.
10.10.29
